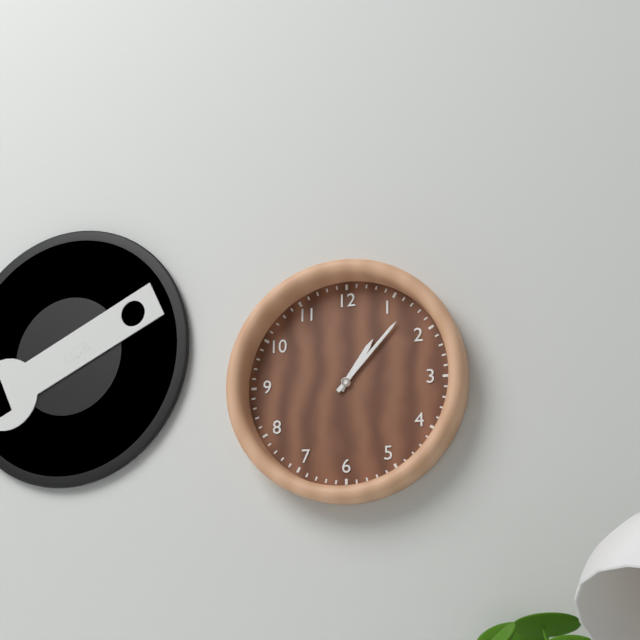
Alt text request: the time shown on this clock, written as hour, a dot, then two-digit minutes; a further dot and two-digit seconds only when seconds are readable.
1.07
